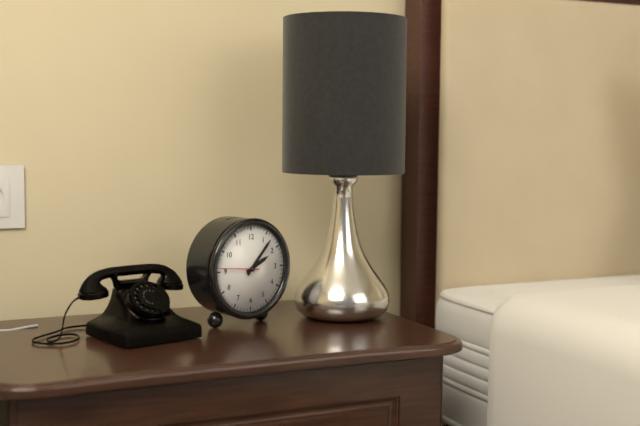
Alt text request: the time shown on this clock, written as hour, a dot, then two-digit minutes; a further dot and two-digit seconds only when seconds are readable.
2.07
